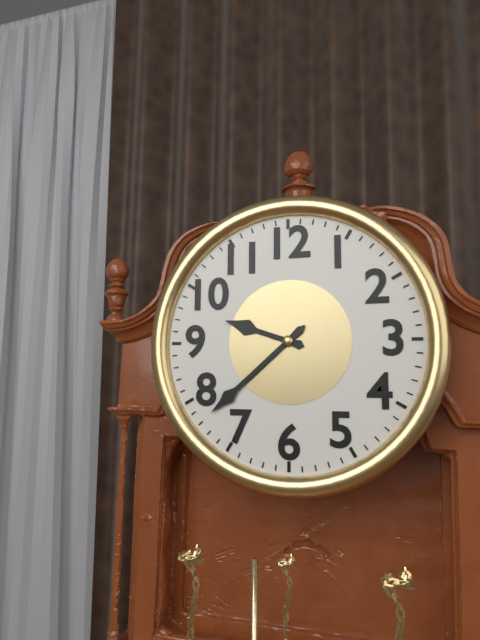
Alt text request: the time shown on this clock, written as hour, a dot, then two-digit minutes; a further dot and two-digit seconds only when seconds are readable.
9.38
